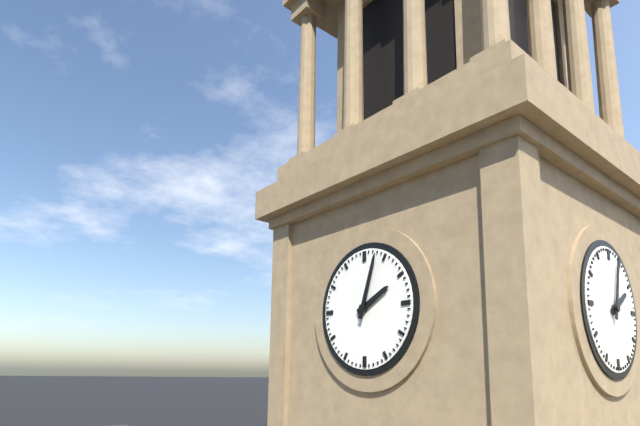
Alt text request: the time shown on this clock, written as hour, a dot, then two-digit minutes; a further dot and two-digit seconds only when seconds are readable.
2.03
